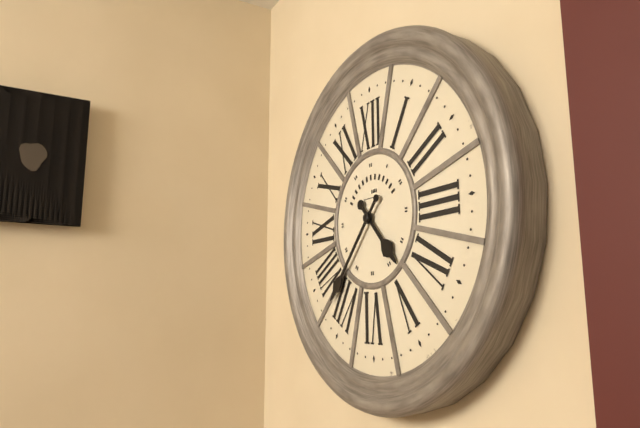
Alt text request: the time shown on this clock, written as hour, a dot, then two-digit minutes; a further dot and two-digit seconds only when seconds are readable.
4.37
